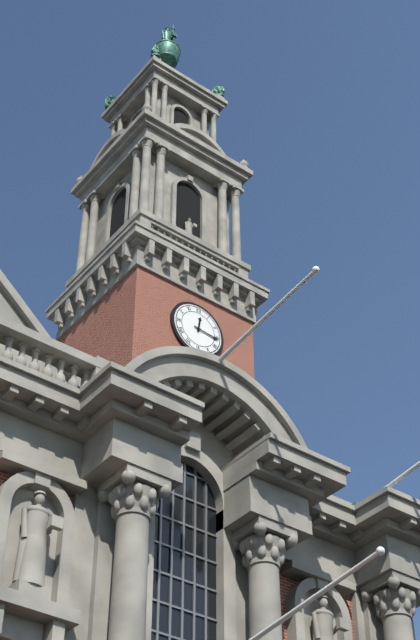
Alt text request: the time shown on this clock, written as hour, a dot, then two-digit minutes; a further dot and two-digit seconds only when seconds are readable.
12.16
